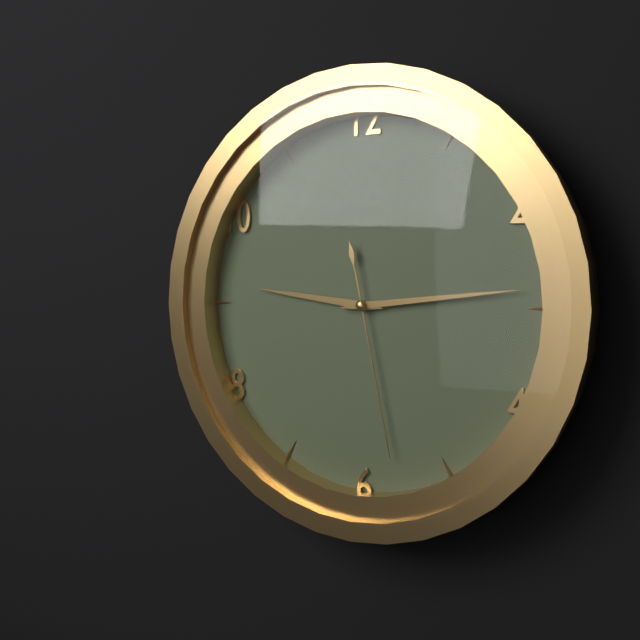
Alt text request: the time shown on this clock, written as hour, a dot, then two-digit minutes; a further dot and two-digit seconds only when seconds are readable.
9.14.28
